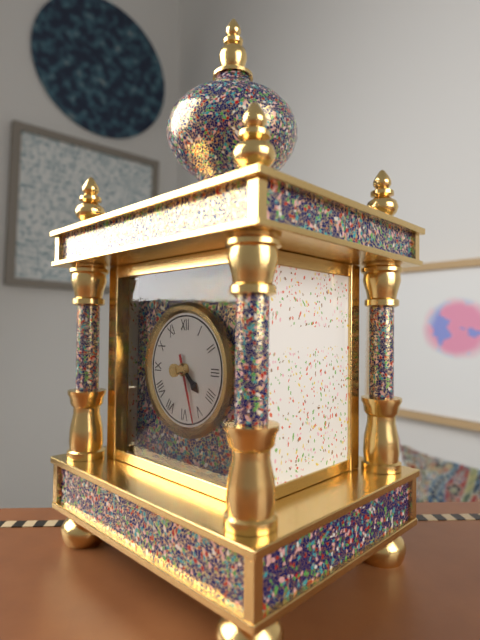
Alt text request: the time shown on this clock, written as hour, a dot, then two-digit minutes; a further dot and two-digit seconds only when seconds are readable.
4.27
